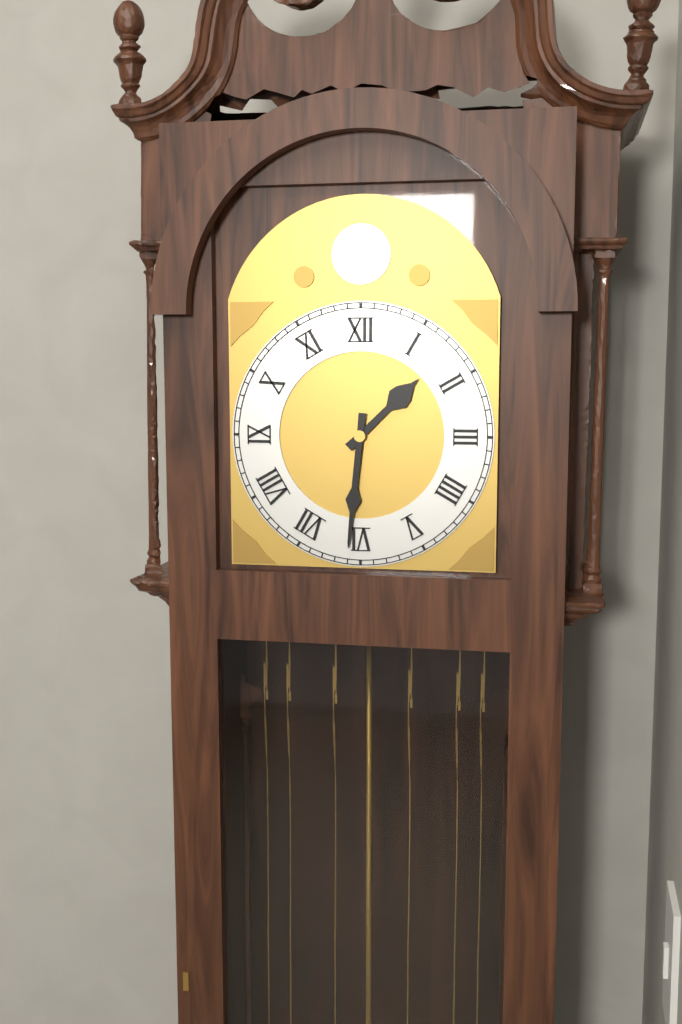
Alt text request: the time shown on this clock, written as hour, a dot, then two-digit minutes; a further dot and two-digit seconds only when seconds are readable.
1.31
